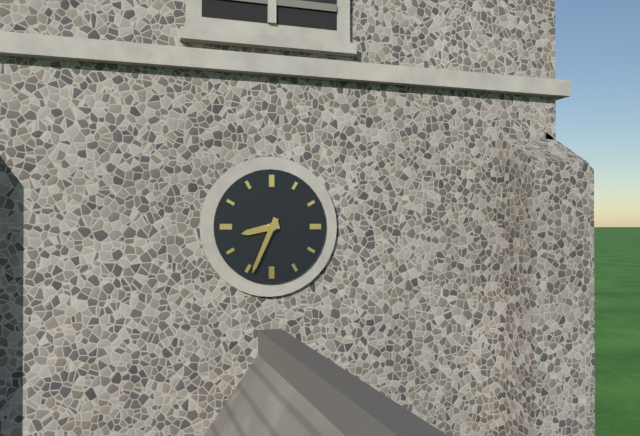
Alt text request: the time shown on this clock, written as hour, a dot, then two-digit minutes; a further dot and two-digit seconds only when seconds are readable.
8.34
